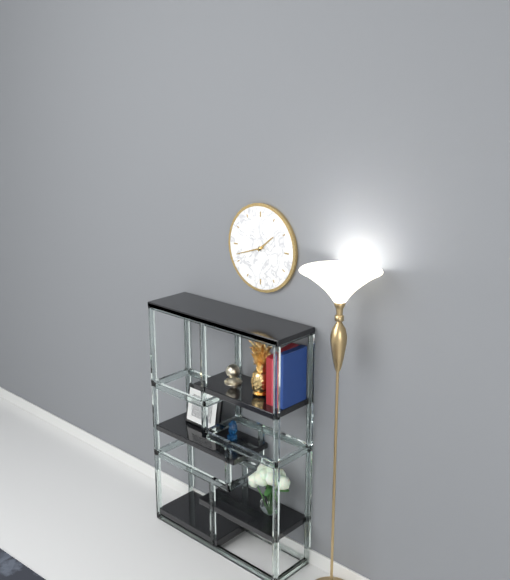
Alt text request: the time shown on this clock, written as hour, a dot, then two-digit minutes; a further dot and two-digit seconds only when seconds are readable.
1.42
